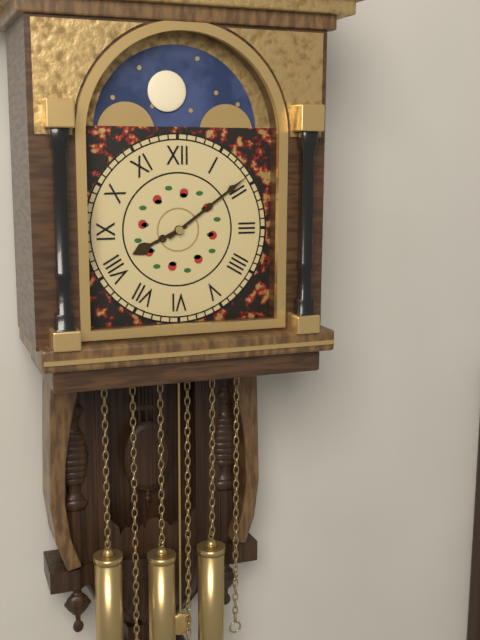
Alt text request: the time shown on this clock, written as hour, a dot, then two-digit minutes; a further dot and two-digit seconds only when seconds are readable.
8.09
